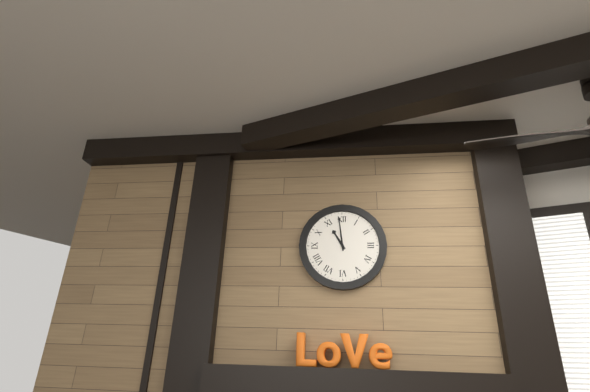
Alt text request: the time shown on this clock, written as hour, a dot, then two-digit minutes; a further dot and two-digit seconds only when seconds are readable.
10.59
